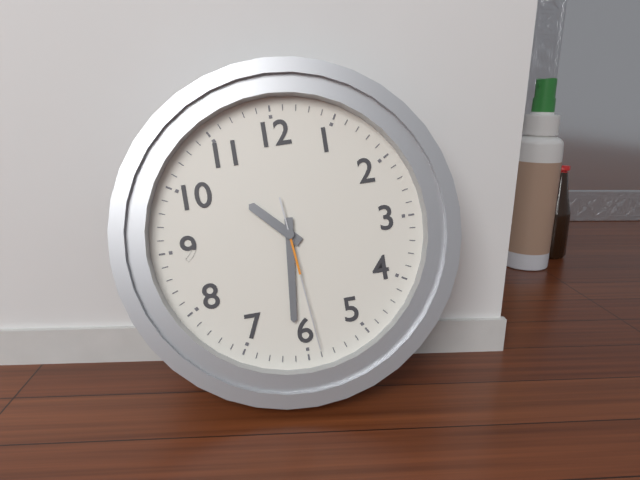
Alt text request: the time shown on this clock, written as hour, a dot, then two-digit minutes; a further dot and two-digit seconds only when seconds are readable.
10.31.29
